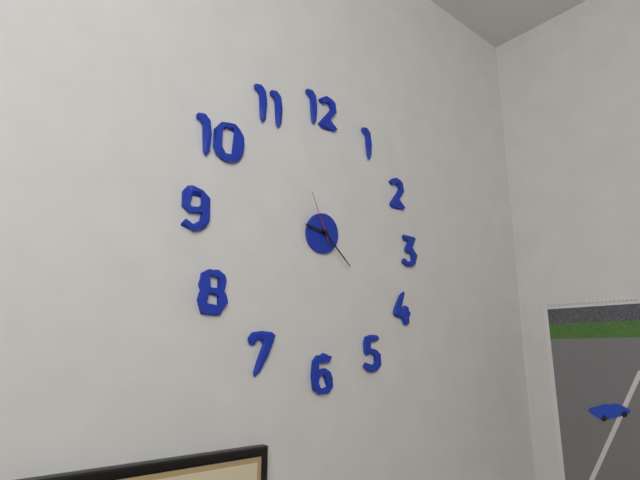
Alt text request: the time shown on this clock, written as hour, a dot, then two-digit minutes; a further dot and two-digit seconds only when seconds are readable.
9.22.56
